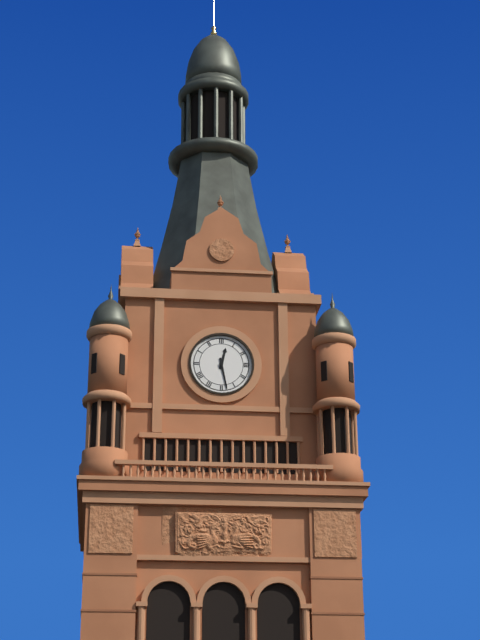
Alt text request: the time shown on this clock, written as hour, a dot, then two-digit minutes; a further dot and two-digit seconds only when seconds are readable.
12.28
